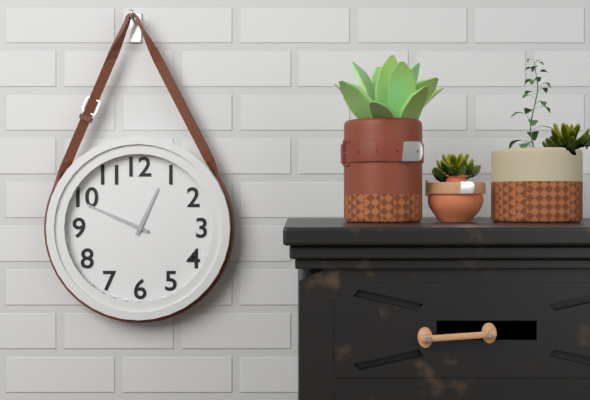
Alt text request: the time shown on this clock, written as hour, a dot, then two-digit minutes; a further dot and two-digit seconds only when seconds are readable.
12.49
